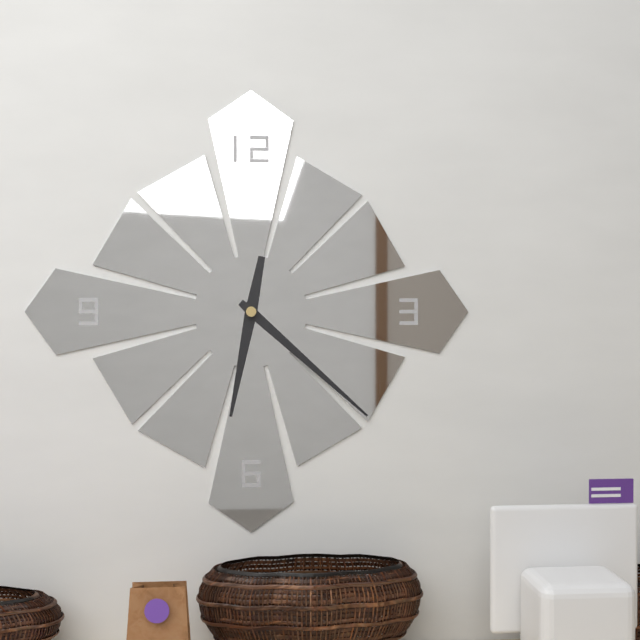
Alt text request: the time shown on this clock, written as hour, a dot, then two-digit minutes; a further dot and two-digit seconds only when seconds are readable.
6.22
